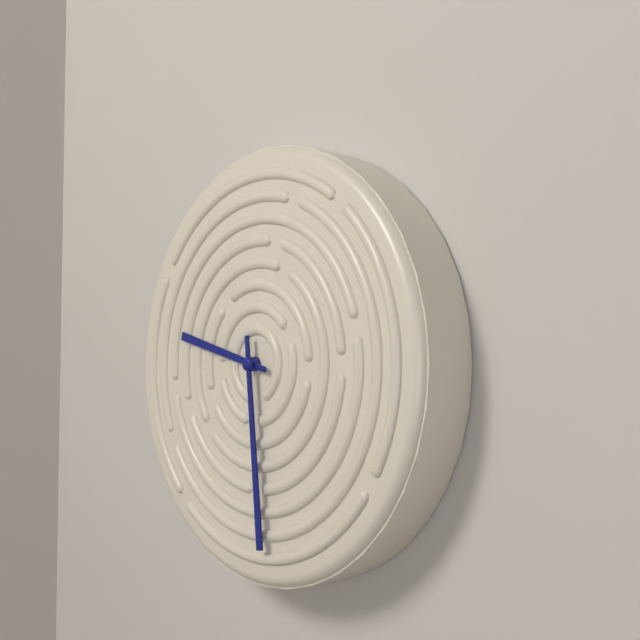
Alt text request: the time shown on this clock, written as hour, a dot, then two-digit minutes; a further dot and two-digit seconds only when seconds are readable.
9.29
